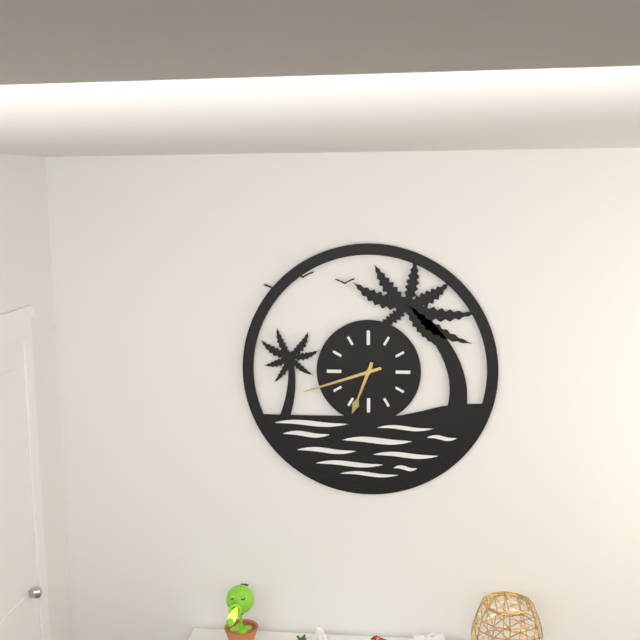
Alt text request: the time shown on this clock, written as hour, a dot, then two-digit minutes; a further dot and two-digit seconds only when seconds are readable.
6.42
